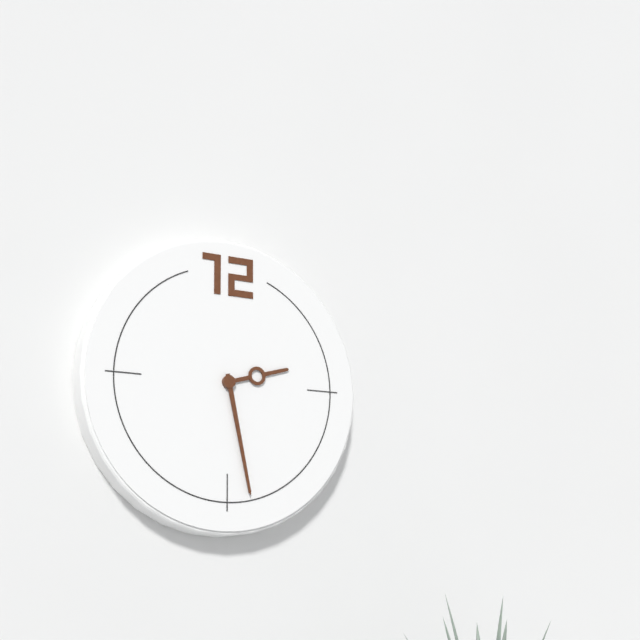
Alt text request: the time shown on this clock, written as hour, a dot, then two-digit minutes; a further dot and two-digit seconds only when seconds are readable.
2.28
